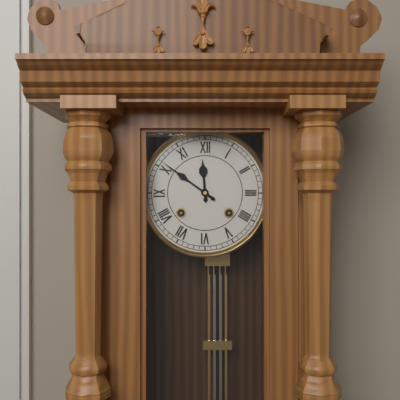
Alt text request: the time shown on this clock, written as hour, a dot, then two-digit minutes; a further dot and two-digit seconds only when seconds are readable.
11.51
